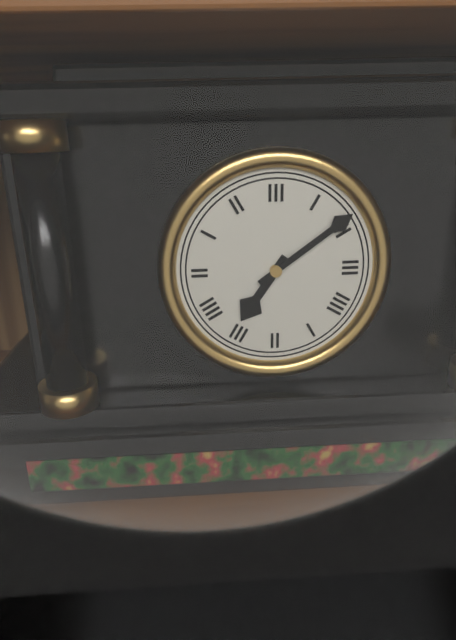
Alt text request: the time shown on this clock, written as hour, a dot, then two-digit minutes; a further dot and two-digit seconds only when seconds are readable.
7.09
